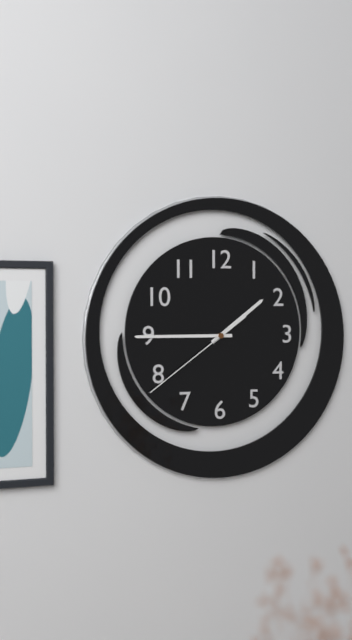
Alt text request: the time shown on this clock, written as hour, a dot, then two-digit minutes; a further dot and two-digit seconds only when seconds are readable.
1.45.39
